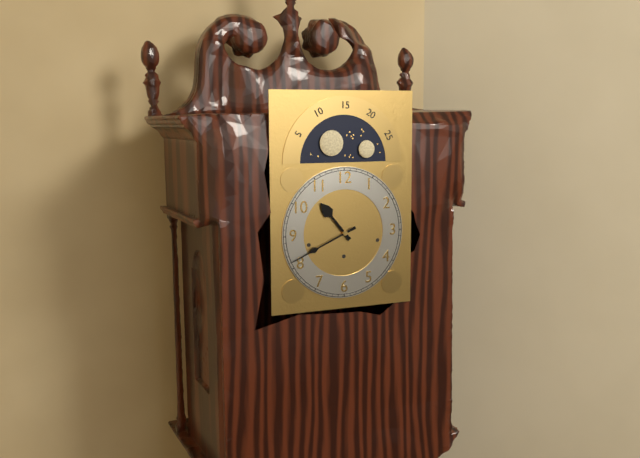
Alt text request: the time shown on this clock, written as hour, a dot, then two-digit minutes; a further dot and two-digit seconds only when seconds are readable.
10.41
